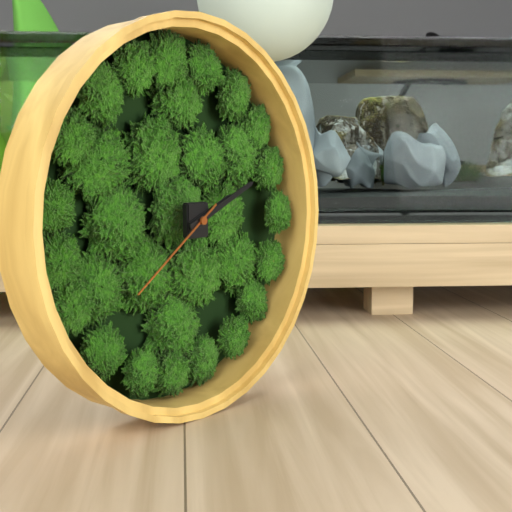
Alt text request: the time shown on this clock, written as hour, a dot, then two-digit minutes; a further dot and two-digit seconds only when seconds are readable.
2.11.39
